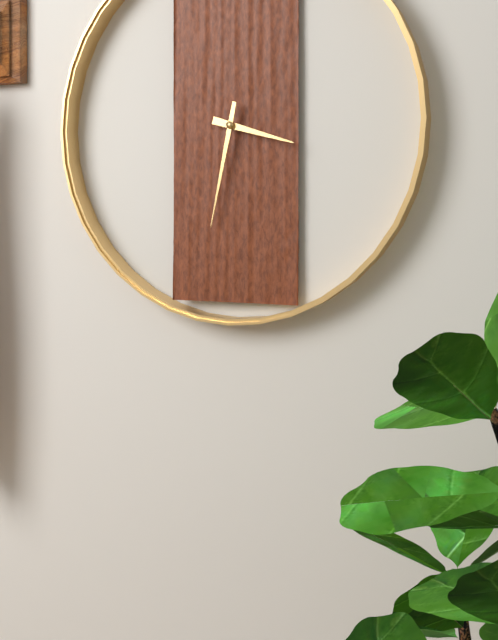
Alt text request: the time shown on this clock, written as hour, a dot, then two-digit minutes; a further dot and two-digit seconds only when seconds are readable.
3.32
